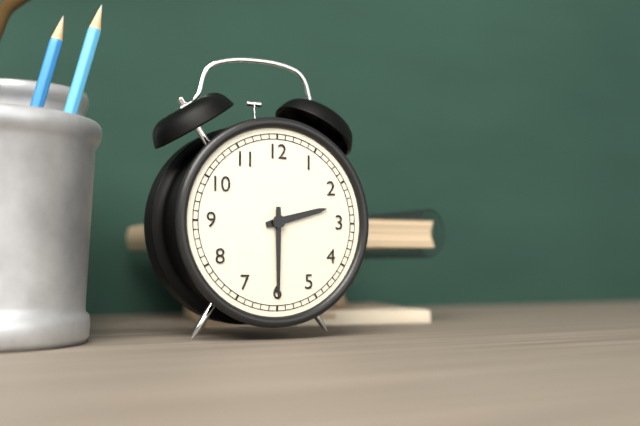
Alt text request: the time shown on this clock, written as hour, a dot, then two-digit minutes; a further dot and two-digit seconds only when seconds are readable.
2.30
